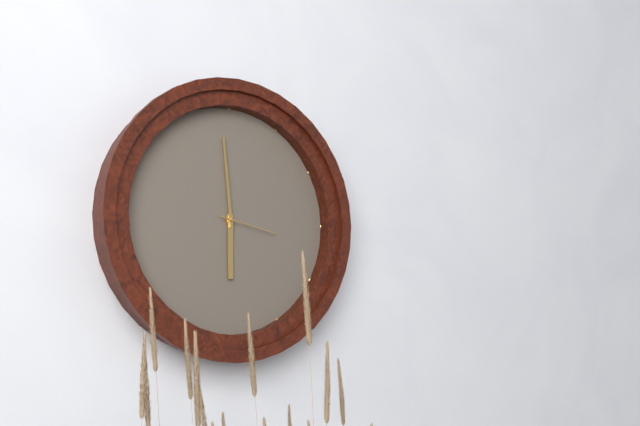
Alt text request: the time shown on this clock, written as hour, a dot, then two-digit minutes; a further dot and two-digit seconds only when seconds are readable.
5.59.17
